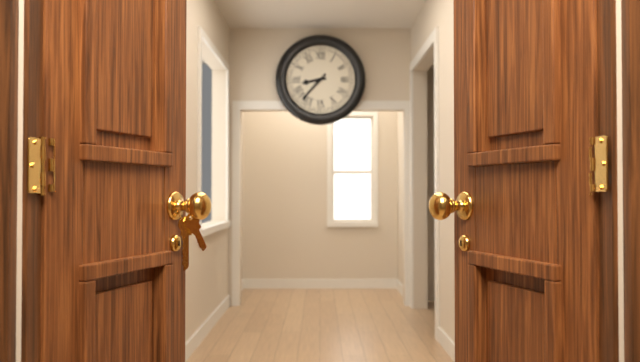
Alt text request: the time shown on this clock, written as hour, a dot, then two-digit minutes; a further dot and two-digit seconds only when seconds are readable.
8.37
